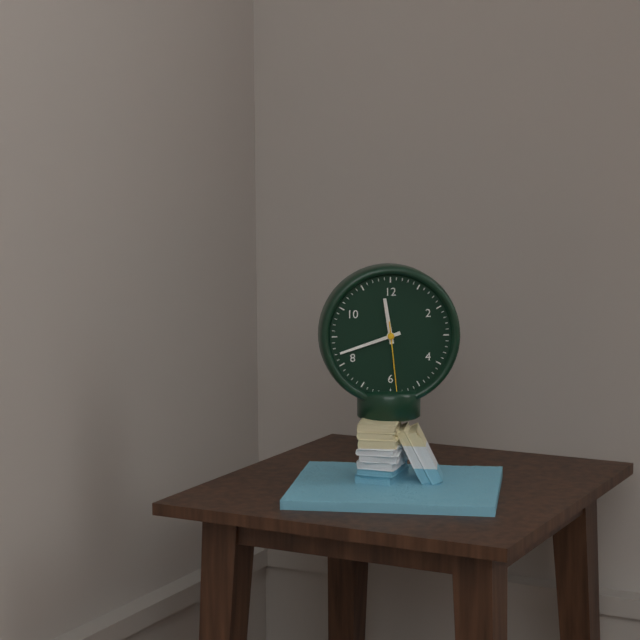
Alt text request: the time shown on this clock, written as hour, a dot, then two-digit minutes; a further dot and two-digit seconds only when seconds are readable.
11.42.29
